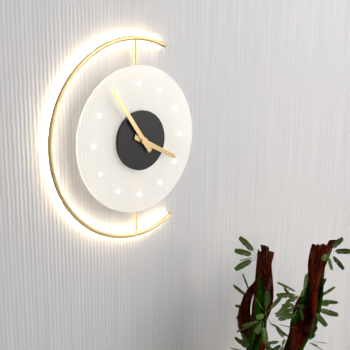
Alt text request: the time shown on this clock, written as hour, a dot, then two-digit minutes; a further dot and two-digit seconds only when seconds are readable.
3.54
